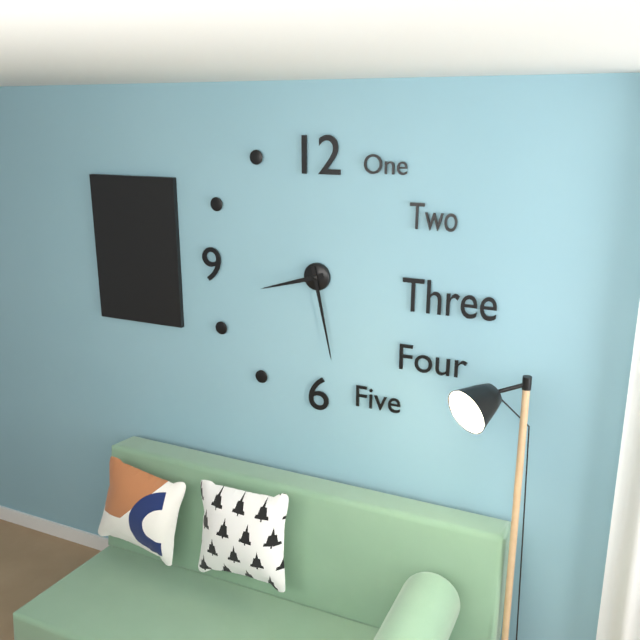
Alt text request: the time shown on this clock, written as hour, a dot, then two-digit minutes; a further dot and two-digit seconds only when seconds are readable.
8.28
